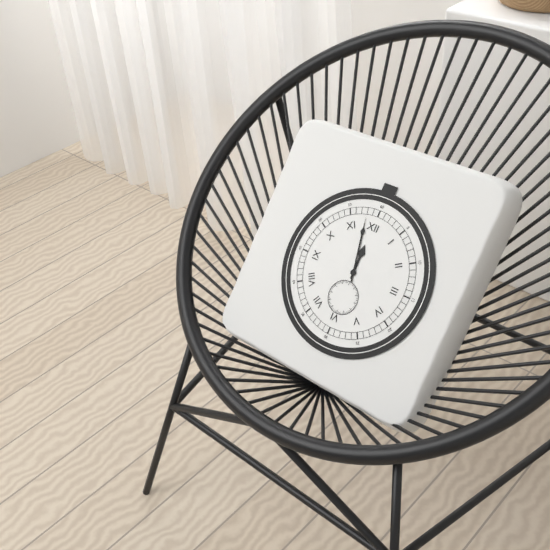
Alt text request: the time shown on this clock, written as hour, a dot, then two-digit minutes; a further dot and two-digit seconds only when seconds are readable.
11.58
